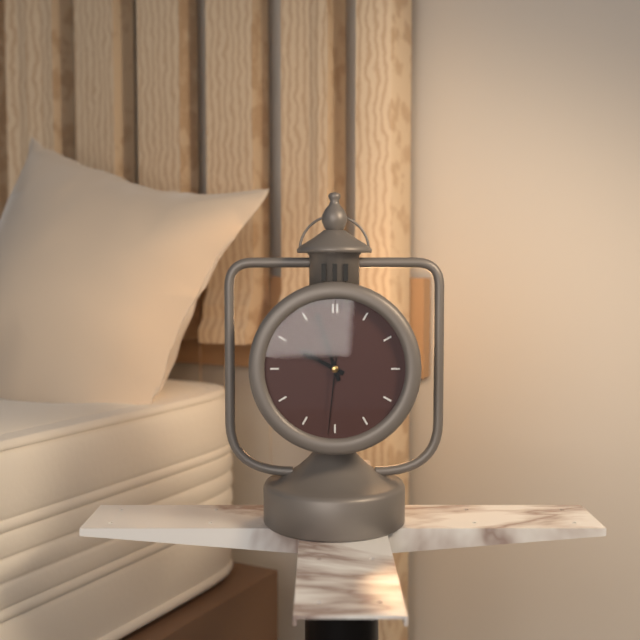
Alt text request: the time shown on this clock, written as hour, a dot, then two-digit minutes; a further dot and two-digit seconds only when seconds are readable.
9.57.31
